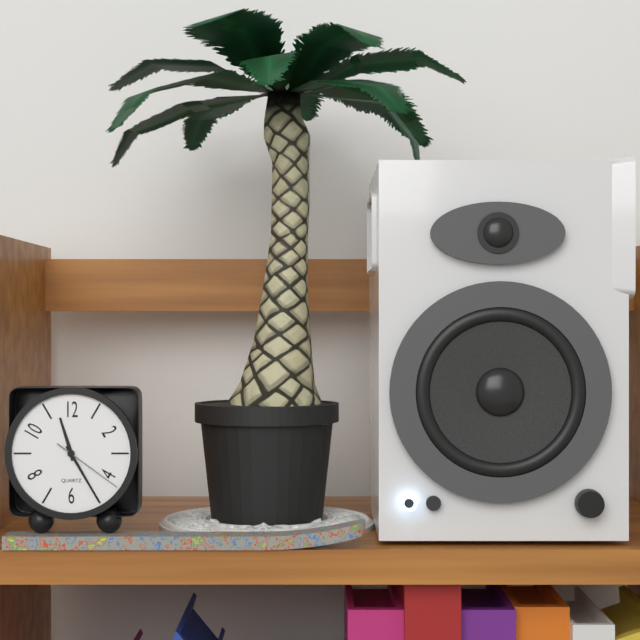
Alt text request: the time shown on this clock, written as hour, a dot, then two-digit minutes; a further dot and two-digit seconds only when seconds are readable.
11.25.21
